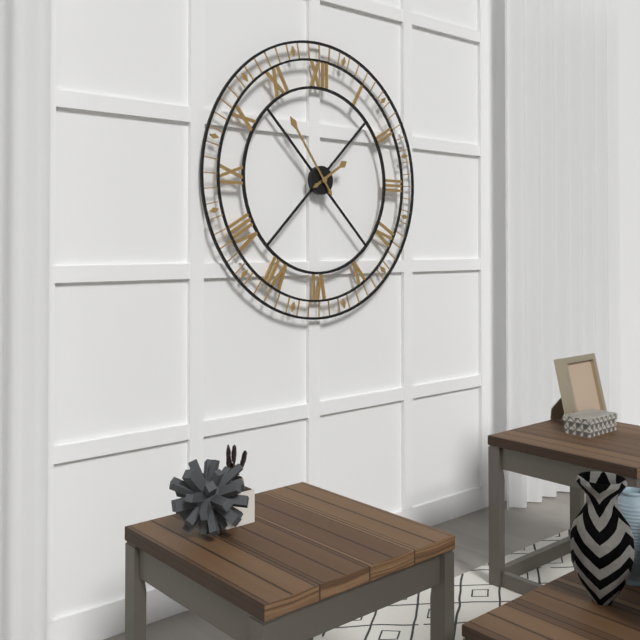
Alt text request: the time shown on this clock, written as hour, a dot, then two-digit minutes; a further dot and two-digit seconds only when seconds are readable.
1.54
